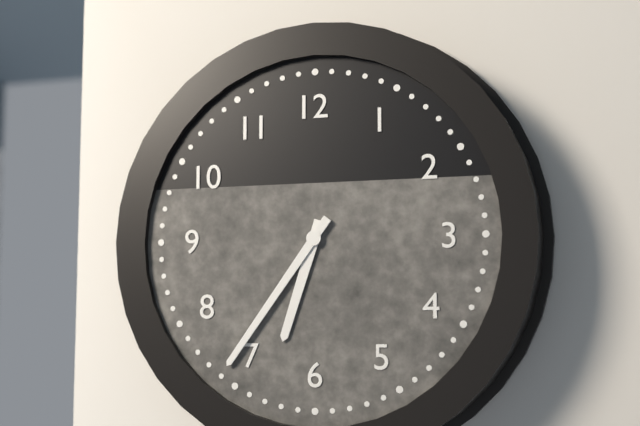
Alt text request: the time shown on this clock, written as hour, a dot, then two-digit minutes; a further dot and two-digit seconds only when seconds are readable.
6.36
